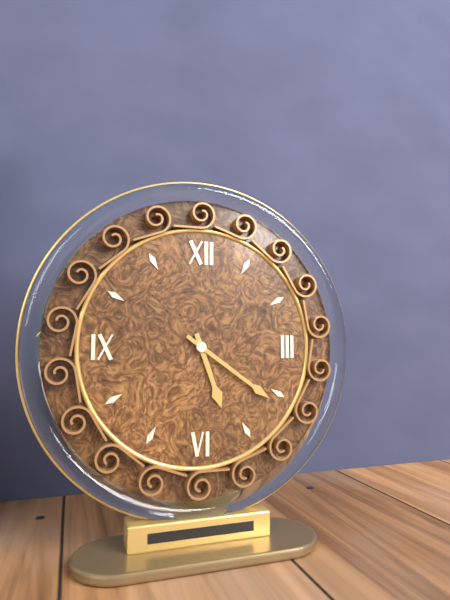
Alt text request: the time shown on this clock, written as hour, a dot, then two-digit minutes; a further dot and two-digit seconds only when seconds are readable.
5.21
